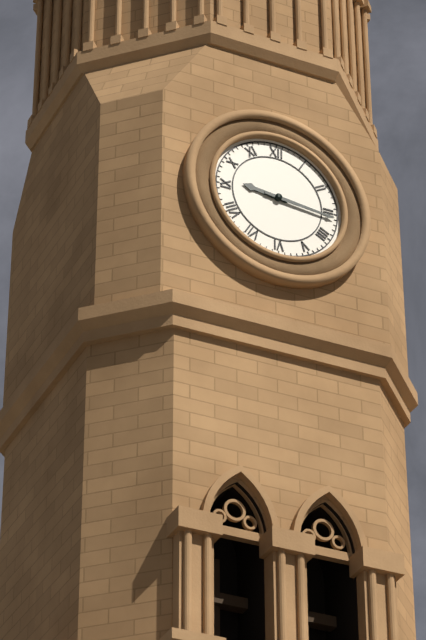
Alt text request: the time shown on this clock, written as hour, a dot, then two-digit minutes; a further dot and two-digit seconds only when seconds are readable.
9.16
